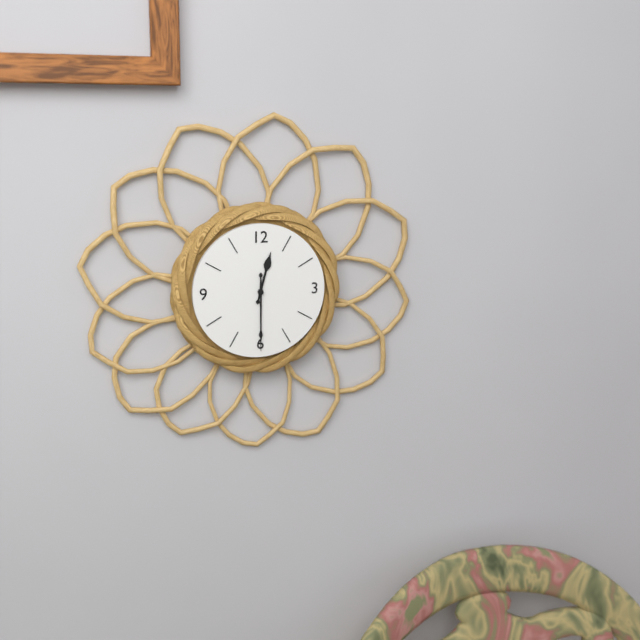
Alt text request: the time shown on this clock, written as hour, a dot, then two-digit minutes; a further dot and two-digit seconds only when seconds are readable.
12.30
